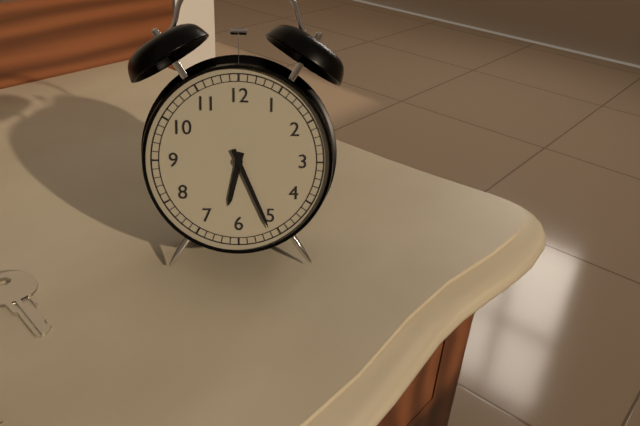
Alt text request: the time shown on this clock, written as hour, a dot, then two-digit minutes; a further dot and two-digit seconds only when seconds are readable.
6.26
